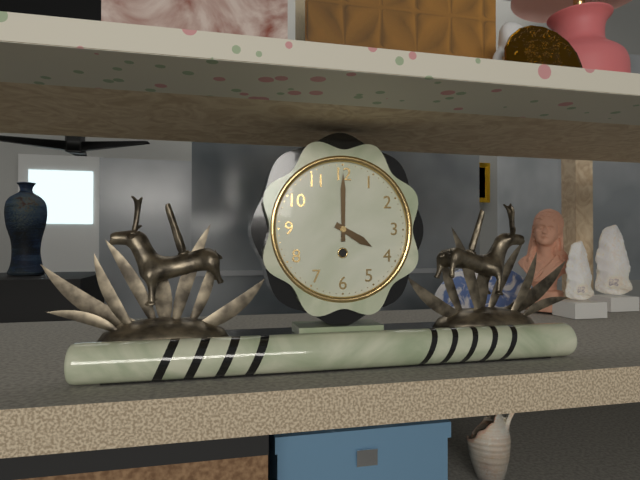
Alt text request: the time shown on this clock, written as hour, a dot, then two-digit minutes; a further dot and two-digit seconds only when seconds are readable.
4.00
